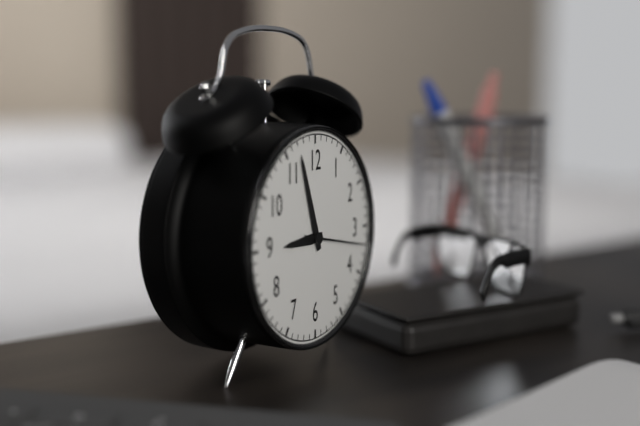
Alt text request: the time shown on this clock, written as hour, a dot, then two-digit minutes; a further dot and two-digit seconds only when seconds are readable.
8.57.17
